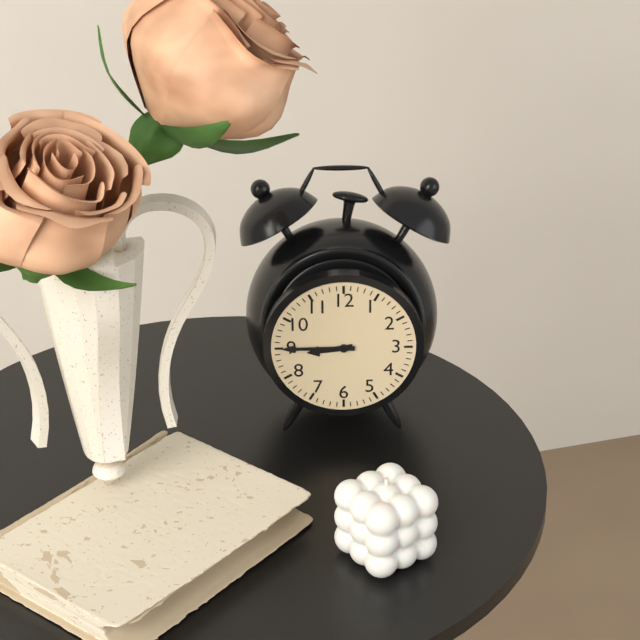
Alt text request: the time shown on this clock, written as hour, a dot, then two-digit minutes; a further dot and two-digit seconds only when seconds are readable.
8.45
